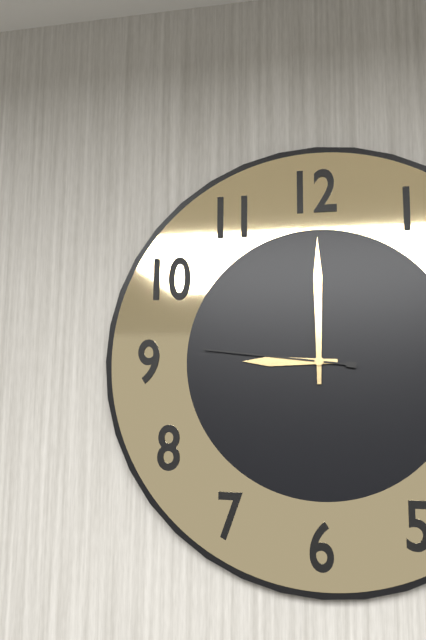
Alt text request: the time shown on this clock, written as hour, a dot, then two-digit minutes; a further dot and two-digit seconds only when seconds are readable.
9.00.46
